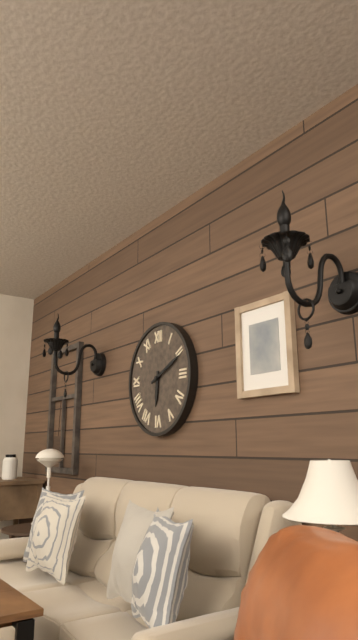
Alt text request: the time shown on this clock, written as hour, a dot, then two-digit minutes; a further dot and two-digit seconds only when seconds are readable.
6.11
